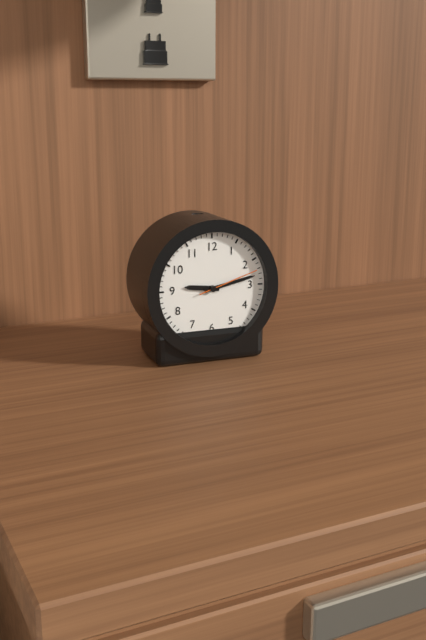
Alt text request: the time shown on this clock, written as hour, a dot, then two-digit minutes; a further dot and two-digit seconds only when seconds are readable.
9.13.12
